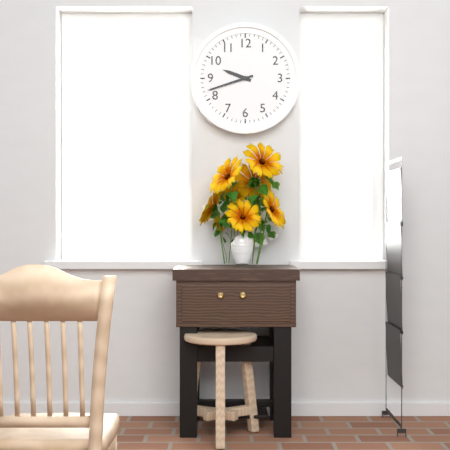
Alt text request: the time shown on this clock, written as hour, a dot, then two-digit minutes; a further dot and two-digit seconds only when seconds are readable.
9.42
